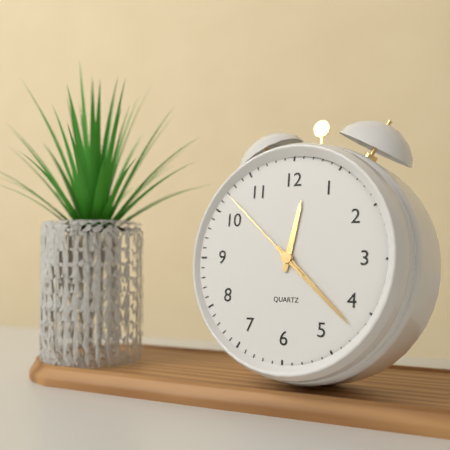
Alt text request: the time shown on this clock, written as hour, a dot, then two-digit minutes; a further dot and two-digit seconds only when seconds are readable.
12.22.52
